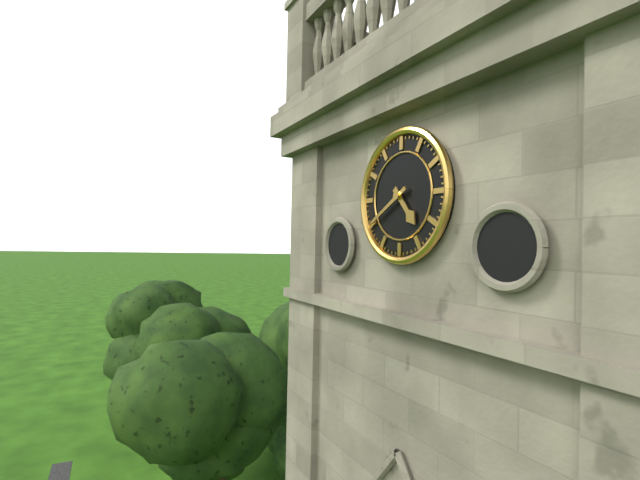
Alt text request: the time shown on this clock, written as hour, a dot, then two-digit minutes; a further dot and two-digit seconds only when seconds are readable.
4.40
